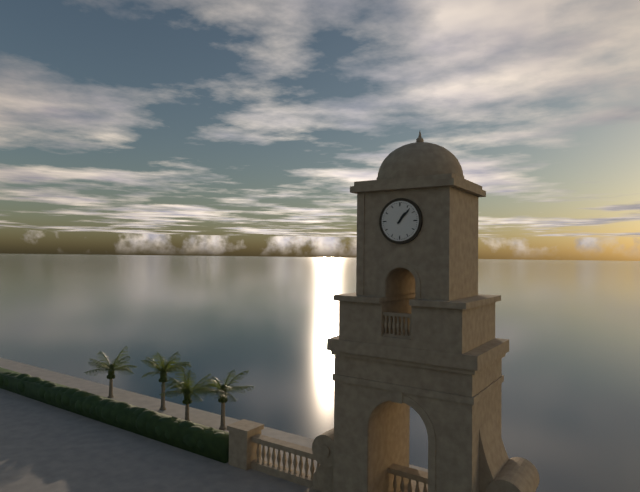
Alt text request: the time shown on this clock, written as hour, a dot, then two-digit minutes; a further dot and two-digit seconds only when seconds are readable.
1.07
